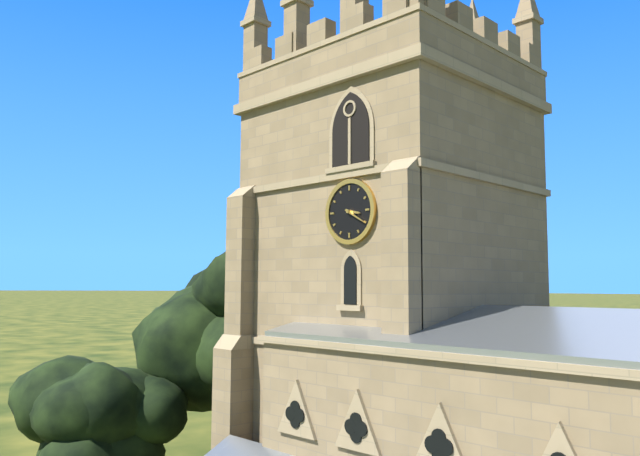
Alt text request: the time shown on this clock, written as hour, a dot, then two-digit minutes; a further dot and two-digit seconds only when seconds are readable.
3.20
